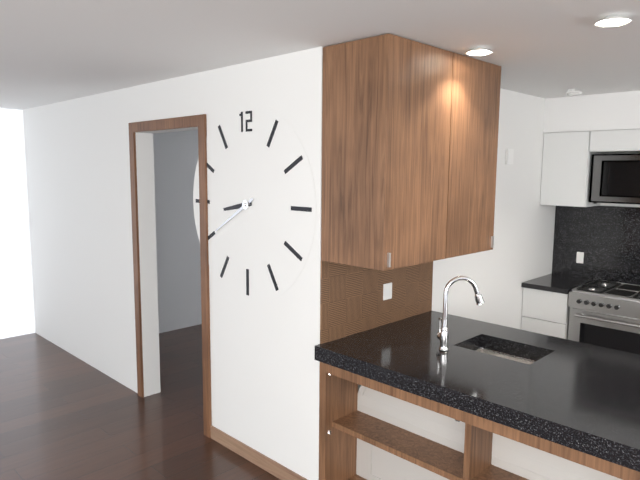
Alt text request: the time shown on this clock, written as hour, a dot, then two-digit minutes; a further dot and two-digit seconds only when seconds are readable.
8.40
